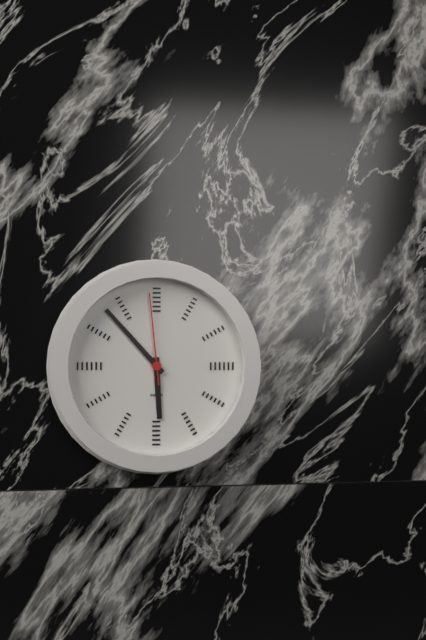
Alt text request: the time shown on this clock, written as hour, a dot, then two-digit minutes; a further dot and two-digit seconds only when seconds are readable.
5.53.59
